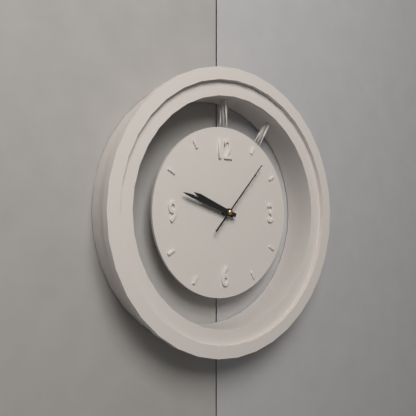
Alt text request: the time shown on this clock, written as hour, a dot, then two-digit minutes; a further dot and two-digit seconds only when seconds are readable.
9.48.07
